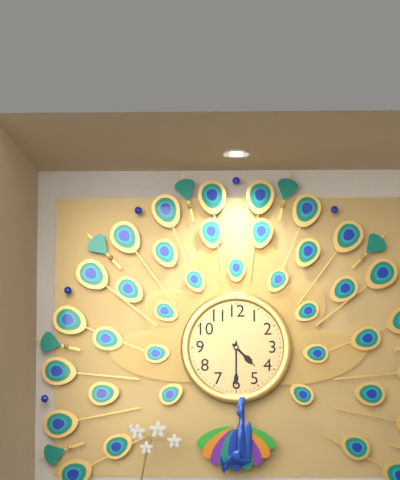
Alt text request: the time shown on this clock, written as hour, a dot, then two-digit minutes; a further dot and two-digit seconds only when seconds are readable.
4.30
